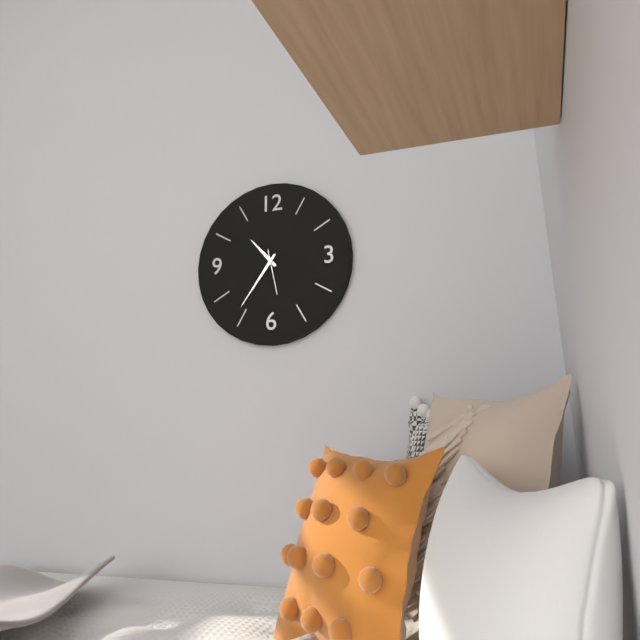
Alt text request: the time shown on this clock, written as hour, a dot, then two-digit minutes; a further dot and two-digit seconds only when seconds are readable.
10.36
